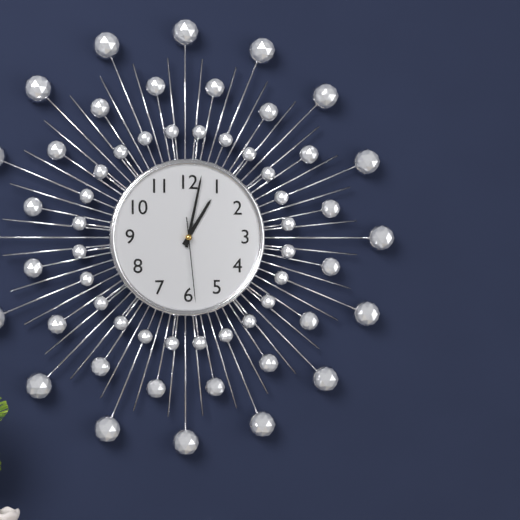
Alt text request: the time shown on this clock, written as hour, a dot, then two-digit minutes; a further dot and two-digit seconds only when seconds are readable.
1.02.29
